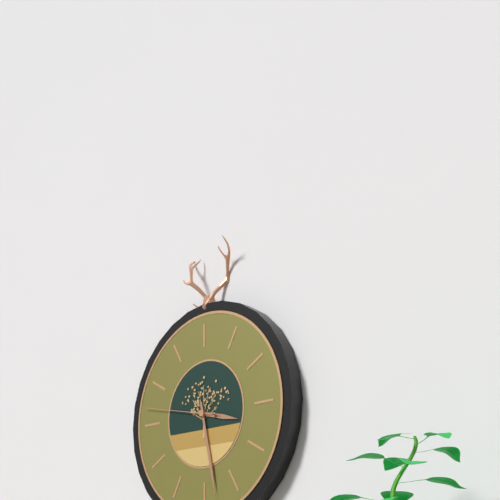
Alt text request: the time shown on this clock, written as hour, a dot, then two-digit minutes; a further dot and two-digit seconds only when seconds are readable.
3.28.47
